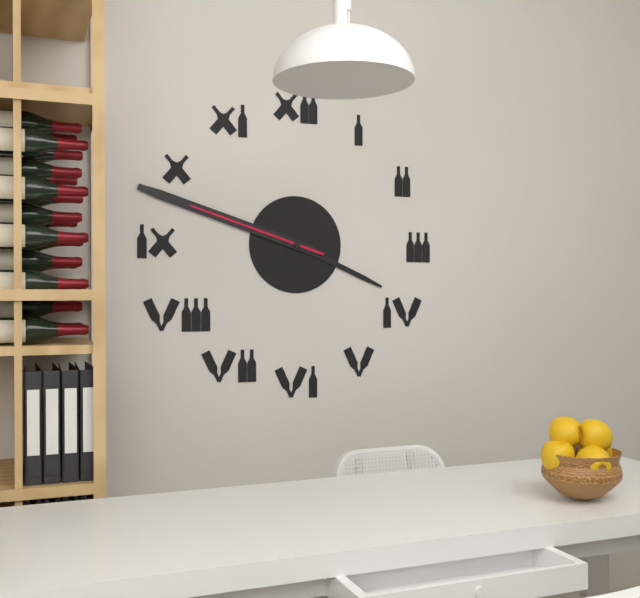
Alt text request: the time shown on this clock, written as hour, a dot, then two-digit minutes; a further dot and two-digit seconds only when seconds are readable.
3.48.48
